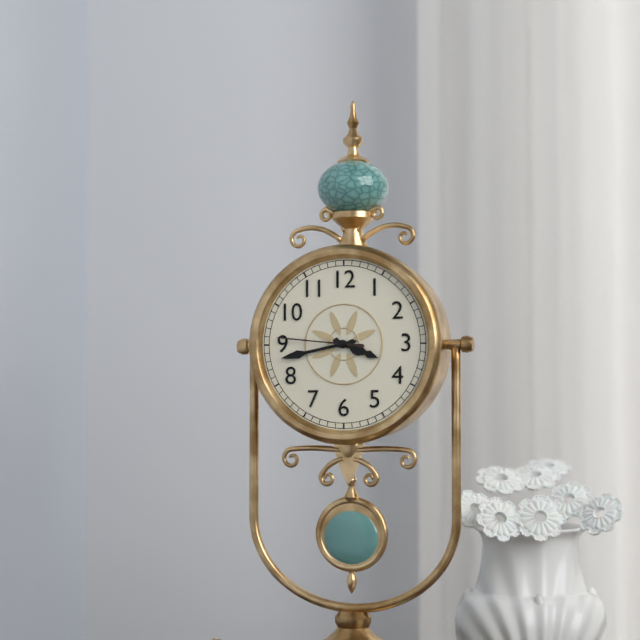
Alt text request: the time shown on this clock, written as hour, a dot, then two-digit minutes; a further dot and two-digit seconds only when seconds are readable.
3.43.46
